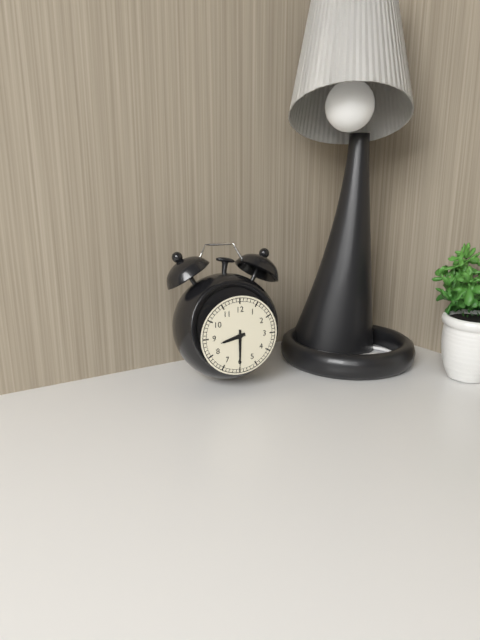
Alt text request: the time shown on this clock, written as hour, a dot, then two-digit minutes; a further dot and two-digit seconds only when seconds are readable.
8.30
